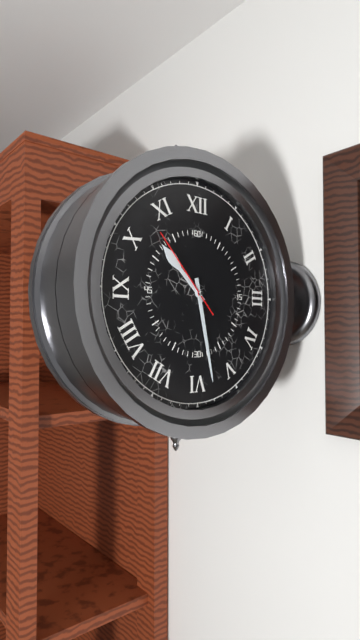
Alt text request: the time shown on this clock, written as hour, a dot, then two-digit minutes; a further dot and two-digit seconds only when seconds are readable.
10.28.53
